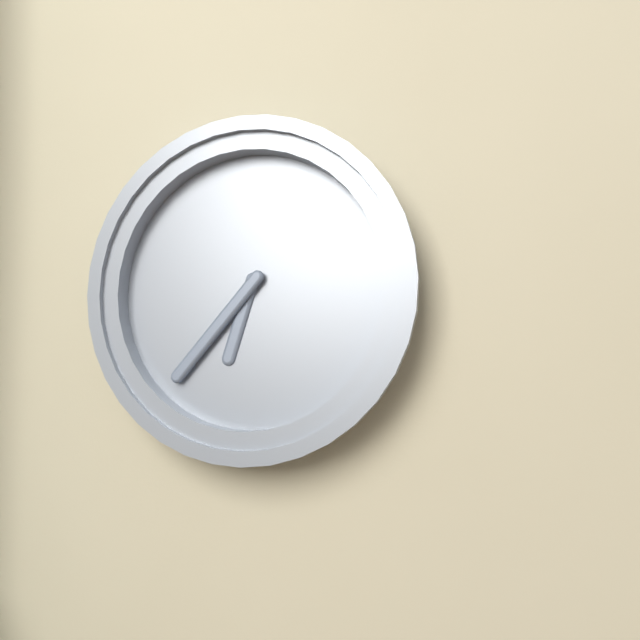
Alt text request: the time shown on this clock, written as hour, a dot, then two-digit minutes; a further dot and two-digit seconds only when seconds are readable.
6.37
